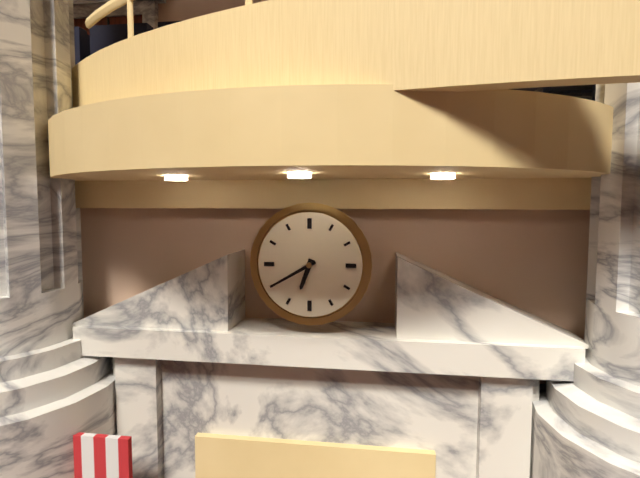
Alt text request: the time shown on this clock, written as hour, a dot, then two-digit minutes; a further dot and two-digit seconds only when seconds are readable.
6.40
